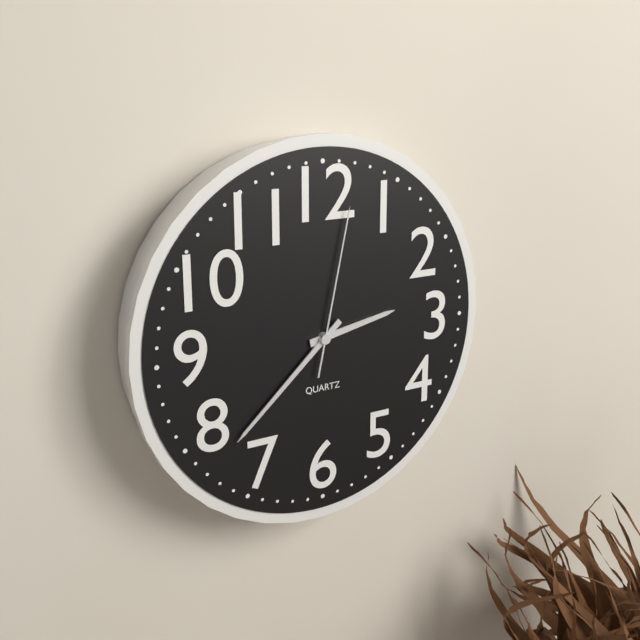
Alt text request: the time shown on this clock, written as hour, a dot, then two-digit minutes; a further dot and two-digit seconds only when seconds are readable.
2.38.02
